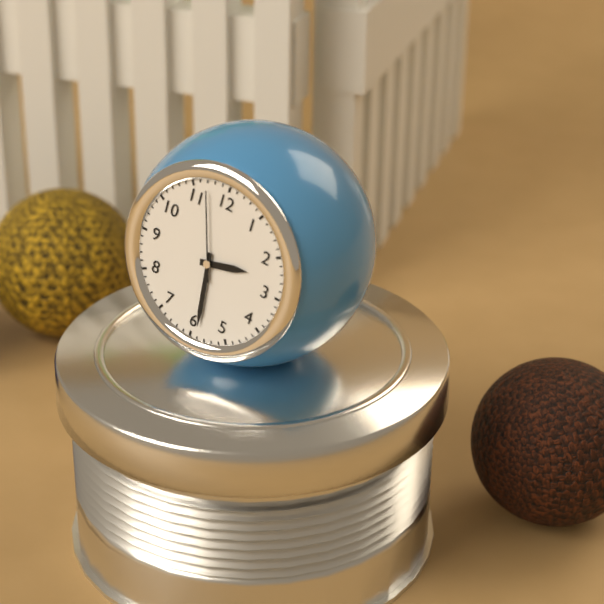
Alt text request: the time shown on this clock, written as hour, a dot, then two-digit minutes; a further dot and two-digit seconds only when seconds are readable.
2.29.57
